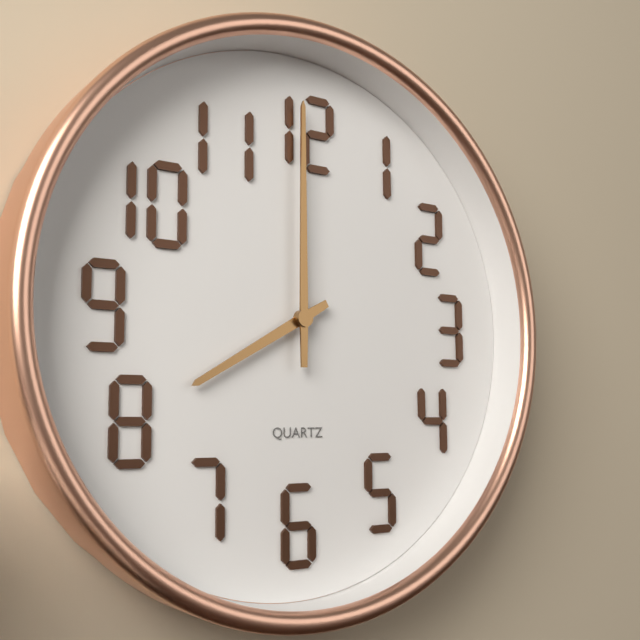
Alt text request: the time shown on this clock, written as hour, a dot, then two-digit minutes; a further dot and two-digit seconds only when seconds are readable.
8.00
